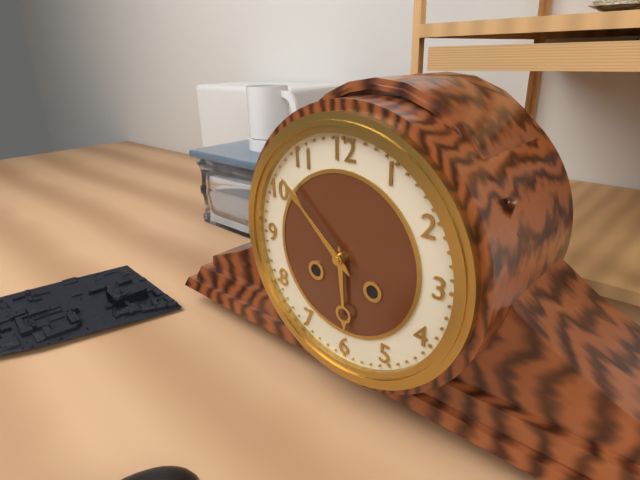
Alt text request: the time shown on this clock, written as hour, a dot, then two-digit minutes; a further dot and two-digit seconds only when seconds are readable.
5.52
